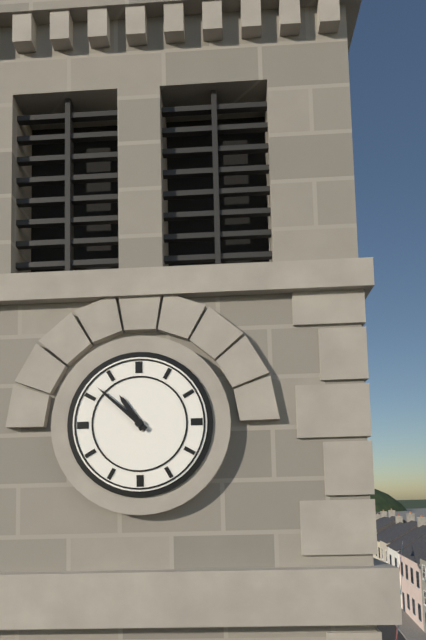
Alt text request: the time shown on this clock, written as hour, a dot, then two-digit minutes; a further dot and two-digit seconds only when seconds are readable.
10.52
